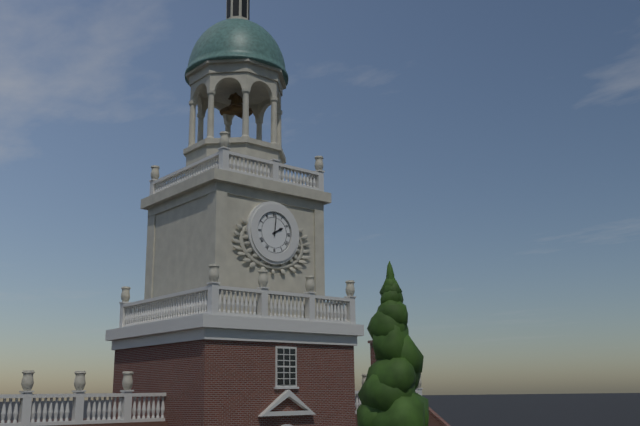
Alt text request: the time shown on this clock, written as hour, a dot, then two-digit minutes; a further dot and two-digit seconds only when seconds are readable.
2.01
